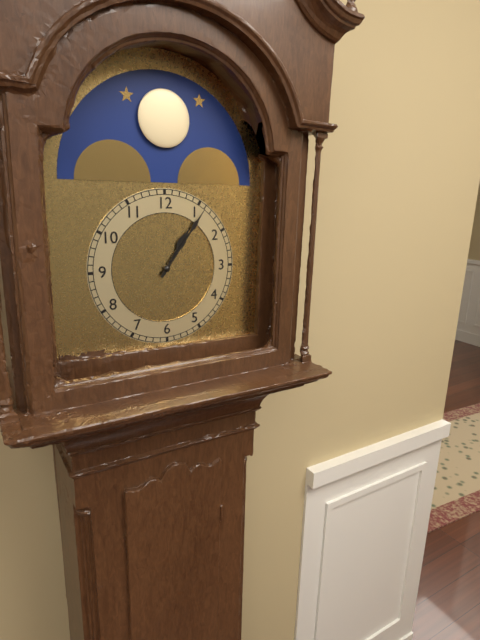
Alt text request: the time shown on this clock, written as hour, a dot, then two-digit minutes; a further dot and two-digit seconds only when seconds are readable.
1.06
